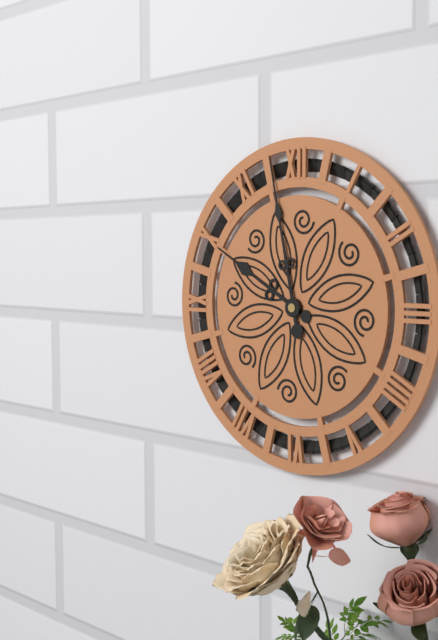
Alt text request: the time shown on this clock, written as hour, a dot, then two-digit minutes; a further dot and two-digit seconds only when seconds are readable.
9.58
